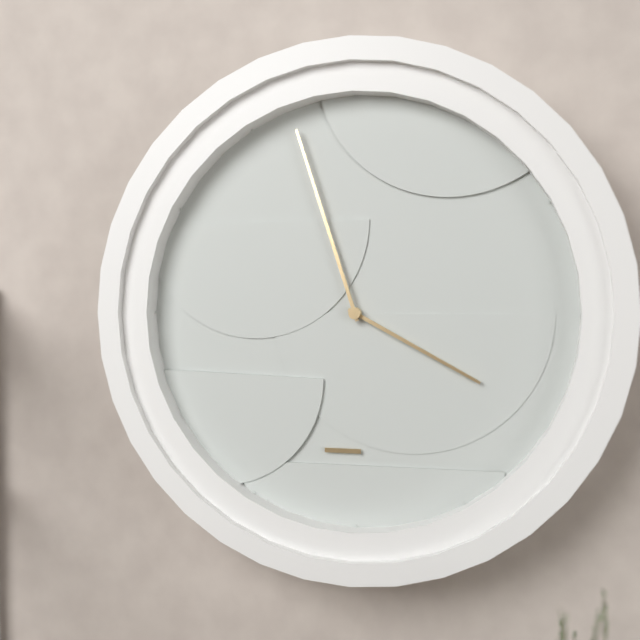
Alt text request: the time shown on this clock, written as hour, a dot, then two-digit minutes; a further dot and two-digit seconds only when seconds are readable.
3.57
